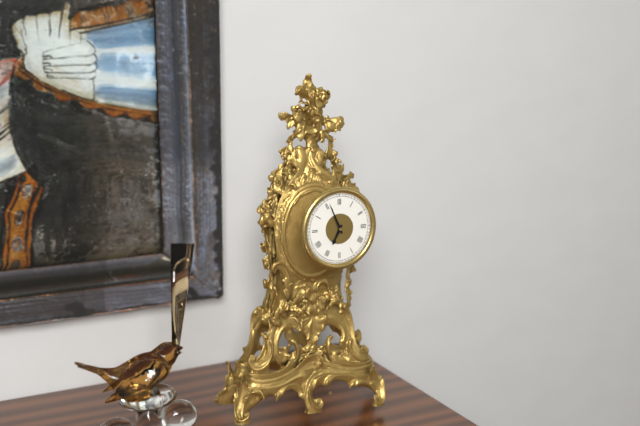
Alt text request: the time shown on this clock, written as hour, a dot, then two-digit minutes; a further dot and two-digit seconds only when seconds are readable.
6.56
